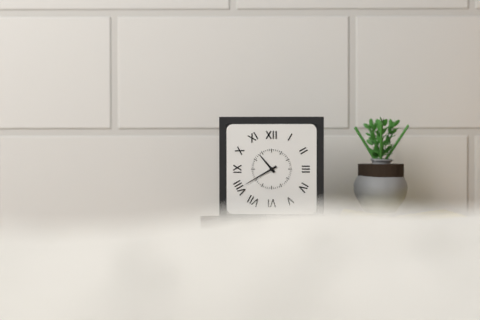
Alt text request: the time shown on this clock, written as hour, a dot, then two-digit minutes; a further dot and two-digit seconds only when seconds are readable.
10.40
